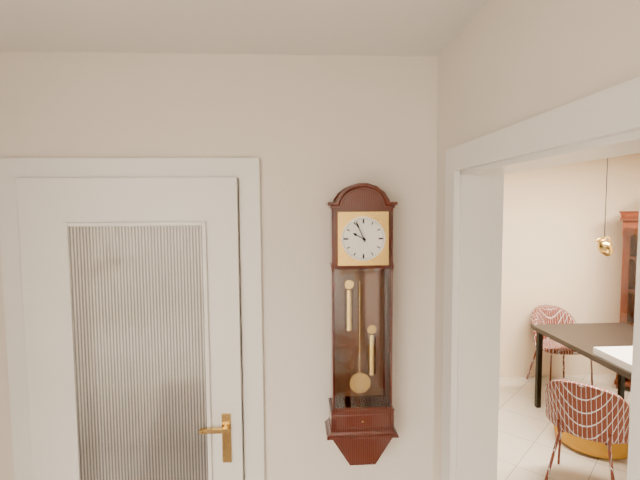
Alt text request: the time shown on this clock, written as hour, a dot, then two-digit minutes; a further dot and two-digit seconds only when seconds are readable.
9.56
